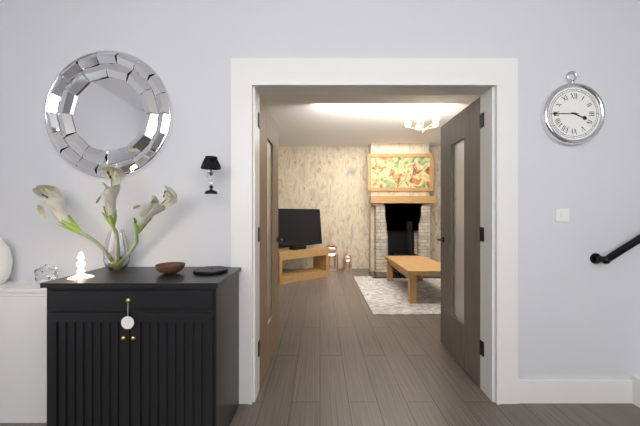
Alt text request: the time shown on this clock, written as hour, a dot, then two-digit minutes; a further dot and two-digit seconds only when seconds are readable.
3.45
